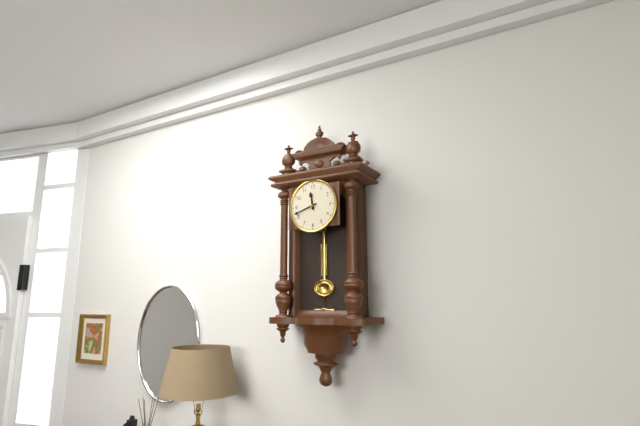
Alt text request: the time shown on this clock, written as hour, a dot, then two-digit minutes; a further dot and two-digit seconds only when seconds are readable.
11.42
